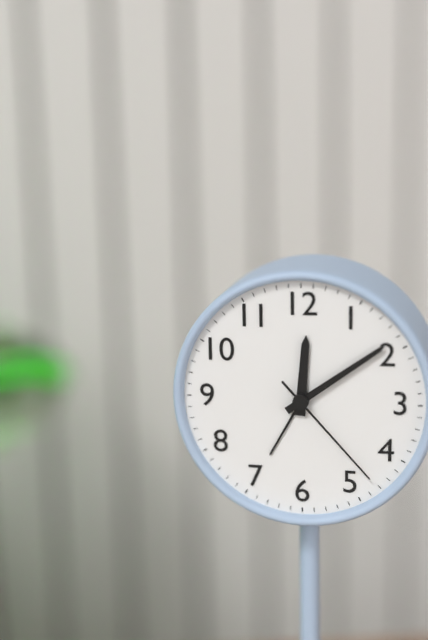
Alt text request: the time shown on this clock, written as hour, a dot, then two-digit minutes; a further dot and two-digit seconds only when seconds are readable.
12.09.23
